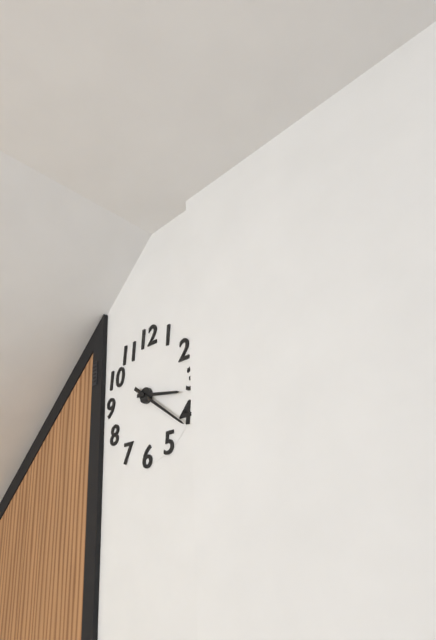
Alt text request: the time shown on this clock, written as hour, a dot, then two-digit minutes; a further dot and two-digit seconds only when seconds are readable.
3.21
